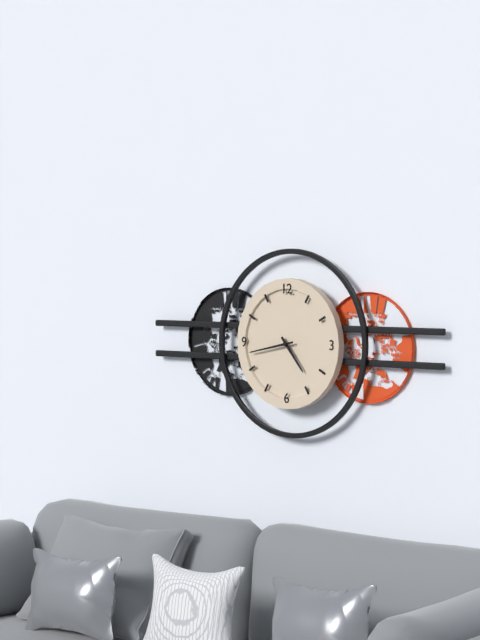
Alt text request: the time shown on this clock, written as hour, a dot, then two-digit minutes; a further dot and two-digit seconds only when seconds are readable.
4.43
